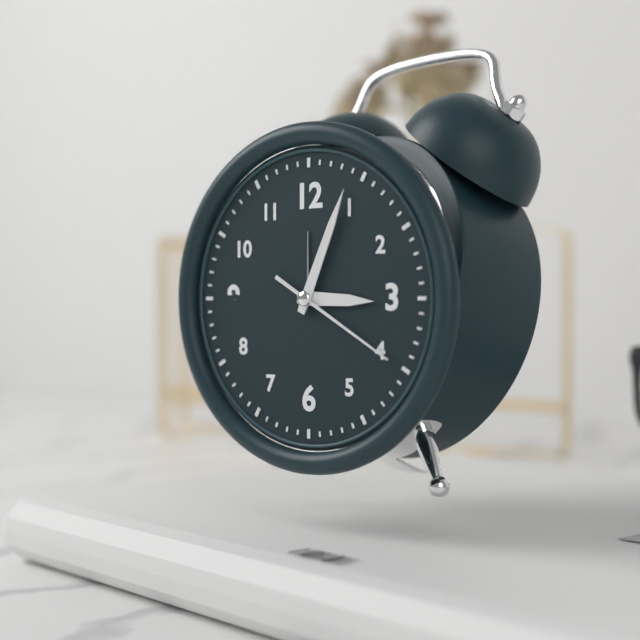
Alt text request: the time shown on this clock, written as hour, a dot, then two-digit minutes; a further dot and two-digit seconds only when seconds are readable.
3.04.20
